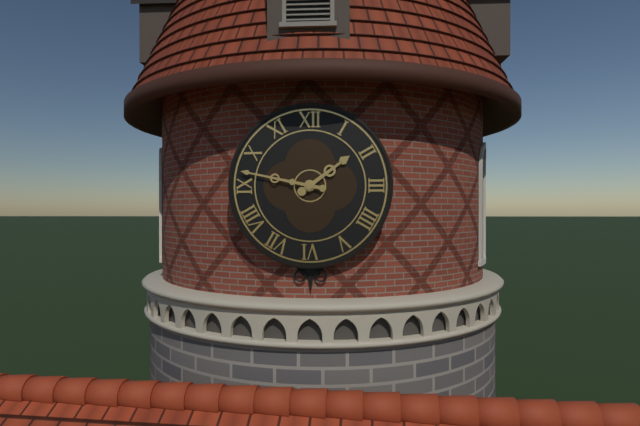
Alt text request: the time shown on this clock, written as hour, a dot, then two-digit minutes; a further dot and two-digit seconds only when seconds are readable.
1.47
